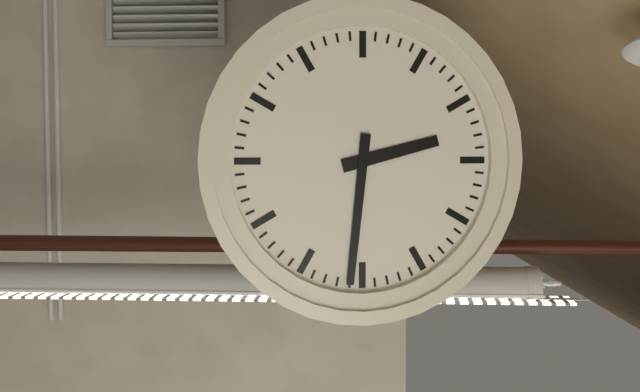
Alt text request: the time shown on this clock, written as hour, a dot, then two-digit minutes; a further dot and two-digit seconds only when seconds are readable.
2.31
